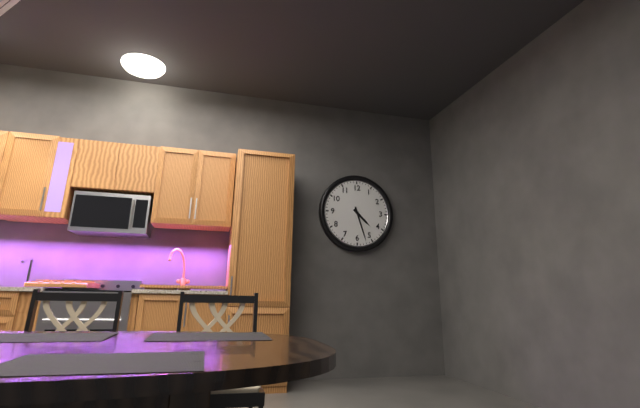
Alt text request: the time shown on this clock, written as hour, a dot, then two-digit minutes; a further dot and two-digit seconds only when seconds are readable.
4.27
